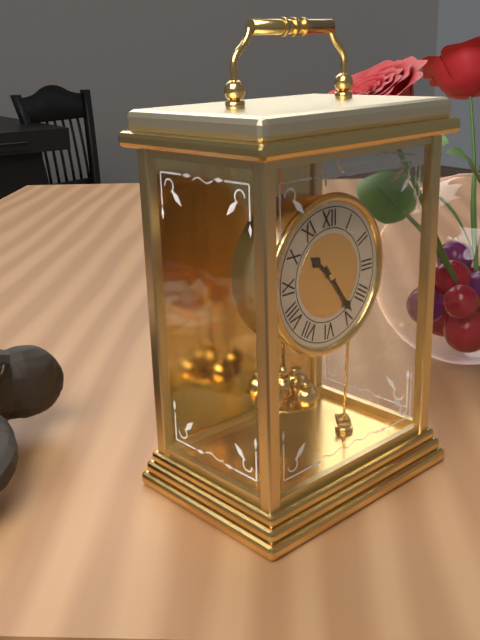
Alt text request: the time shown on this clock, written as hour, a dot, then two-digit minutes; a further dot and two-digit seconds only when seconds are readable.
10.24
